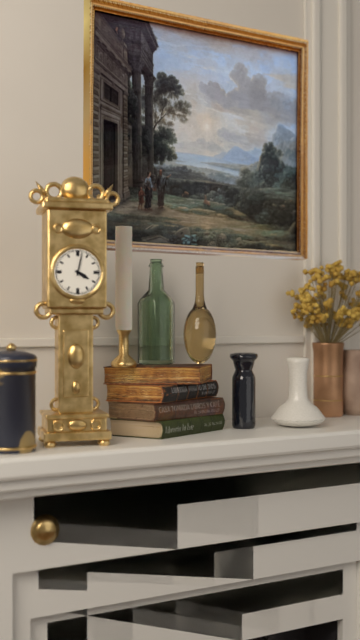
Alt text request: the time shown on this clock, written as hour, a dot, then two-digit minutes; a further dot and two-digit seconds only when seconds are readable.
4.02
